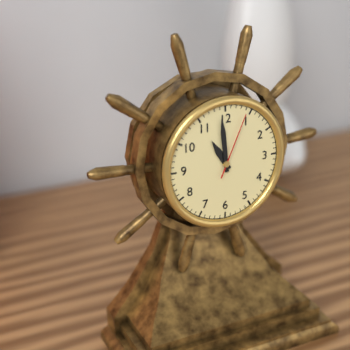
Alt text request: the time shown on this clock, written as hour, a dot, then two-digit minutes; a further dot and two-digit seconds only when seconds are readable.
10.59.04
